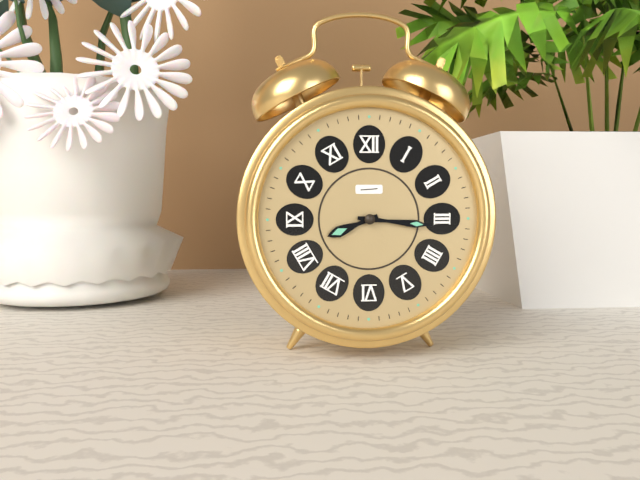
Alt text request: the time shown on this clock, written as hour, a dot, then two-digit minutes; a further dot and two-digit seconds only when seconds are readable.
8.16
